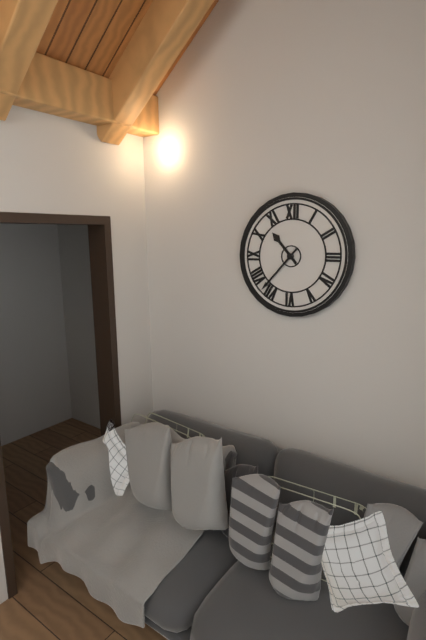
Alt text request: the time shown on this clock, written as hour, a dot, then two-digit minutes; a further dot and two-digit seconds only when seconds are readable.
10.37
